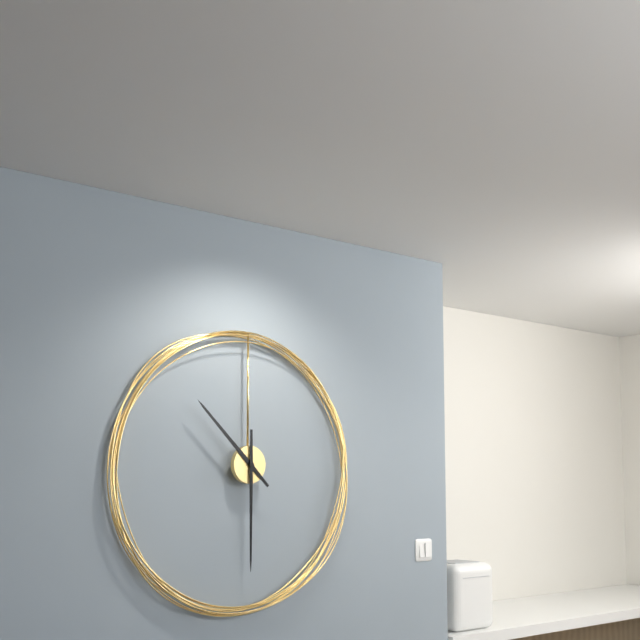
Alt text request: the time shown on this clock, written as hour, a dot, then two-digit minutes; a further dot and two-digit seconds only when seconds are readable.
10.30
